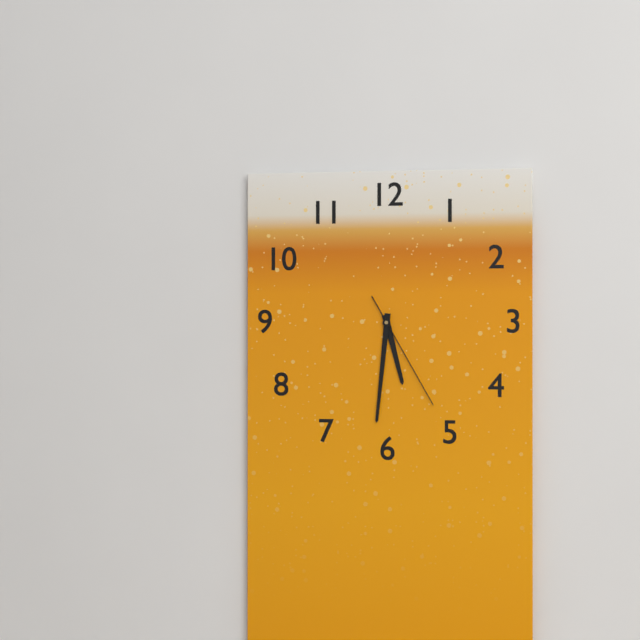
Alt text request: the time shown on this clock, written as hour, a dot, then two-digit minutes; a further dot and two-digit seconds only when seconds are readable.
5.31.25
